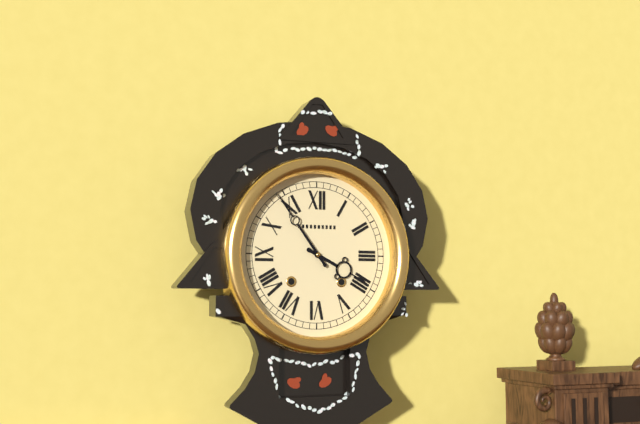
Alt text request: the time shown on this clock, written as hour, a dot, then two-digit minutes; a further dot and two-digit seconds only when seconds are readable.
3.54
